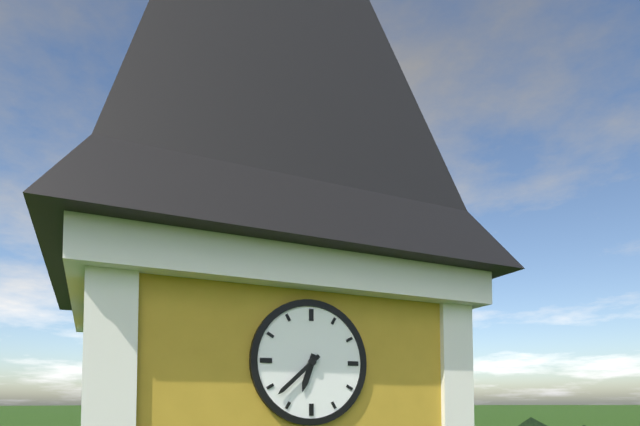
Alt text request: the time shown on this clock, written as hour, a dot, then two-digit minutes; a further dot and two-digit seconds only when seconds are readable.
6.38
